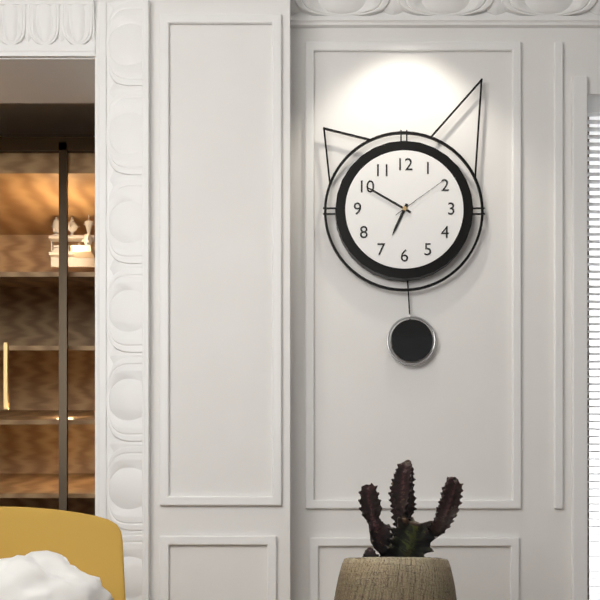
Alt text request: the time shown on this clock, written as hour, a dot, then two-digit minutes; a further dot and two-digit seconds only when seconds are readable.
6.50.09
